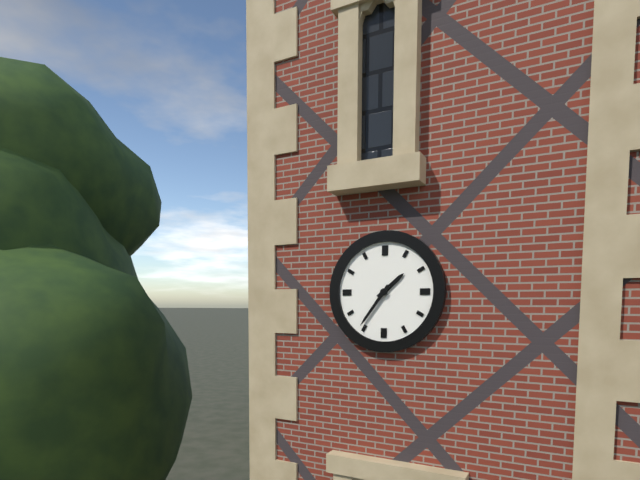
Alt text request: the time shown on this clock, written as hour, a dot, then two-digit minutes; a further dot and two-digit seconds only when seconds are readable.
1.36
